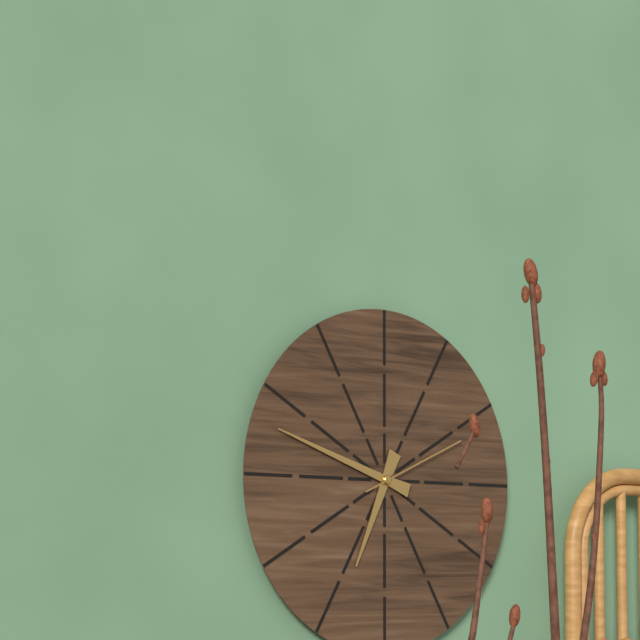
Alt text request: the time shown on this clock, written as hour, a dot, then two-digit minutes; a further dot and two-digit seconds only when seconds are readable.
6.48.11
